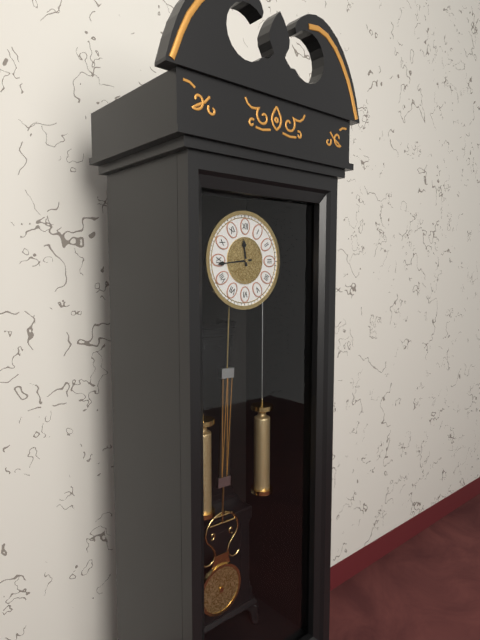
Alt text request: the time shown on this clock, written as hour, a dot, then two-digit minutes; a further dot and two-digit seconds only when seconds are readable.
11.44
